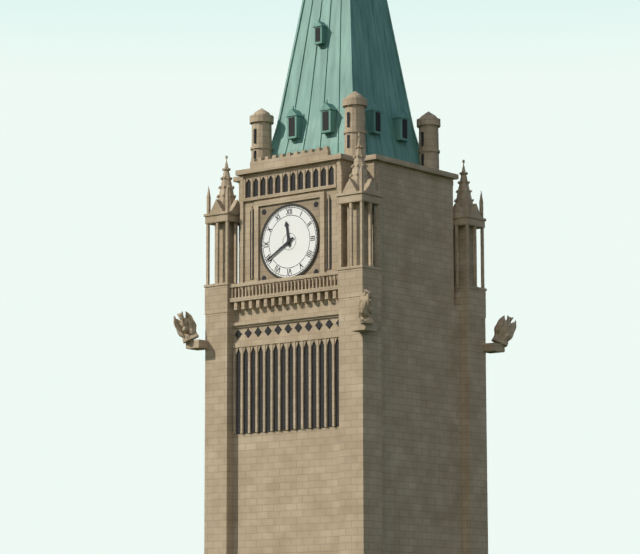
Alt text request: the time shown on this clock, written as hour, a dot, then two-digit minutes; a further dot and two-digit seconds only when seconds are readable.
11.40
